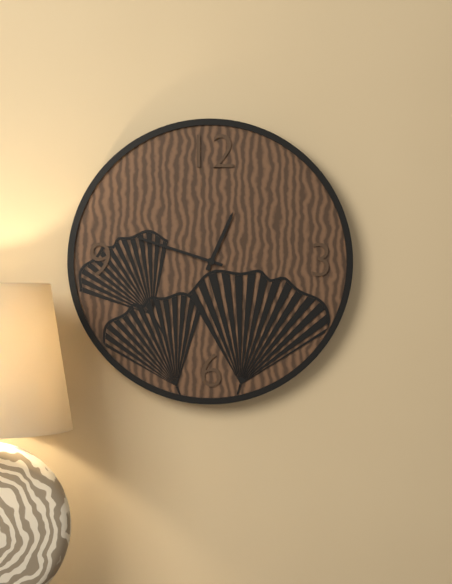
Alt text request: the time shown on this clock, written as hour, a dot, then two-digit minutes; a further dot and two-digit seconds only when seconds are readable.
12.48
